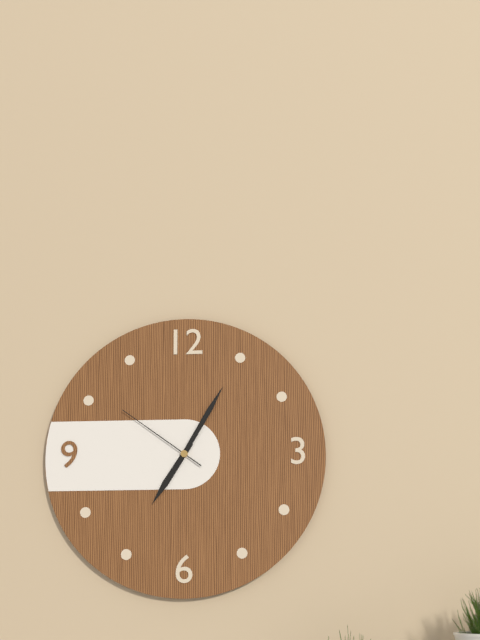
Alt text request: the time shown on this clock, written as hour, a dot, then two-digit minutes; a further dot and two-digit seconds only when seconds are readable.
7.05.51
